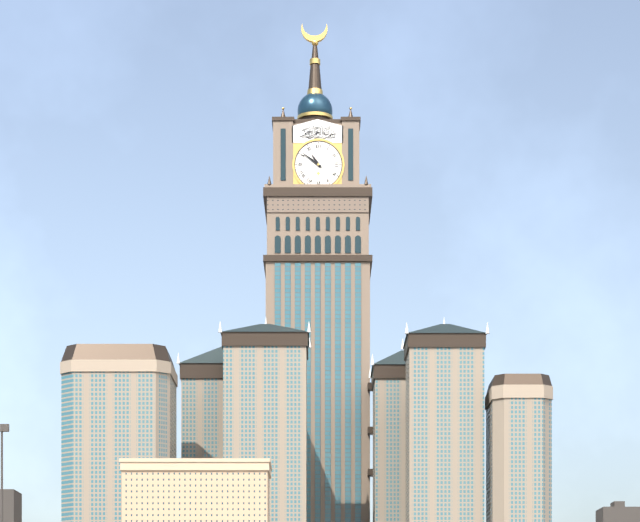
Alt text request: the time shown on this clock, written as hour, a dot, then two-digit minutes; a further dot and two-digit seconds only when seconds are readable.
10.51
